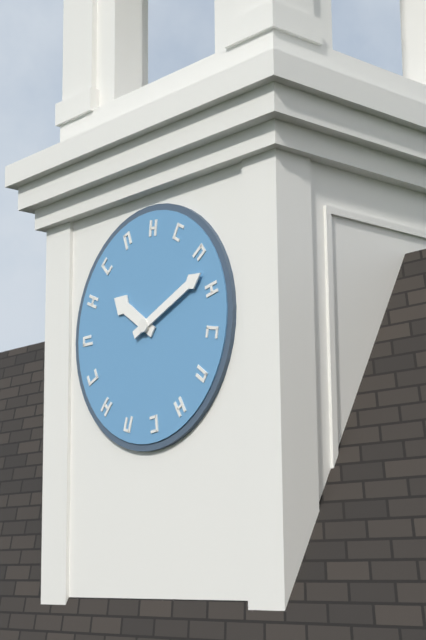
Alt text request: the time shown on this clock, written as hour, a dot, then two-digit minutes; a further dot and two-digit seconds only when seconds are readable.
10.11
